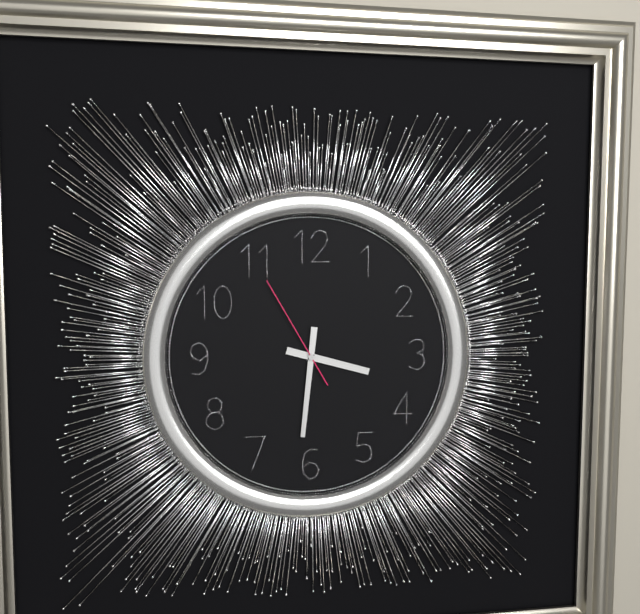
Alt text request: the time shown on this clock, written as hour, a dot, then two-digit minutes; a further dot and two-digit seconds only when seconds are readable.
3.31.55
